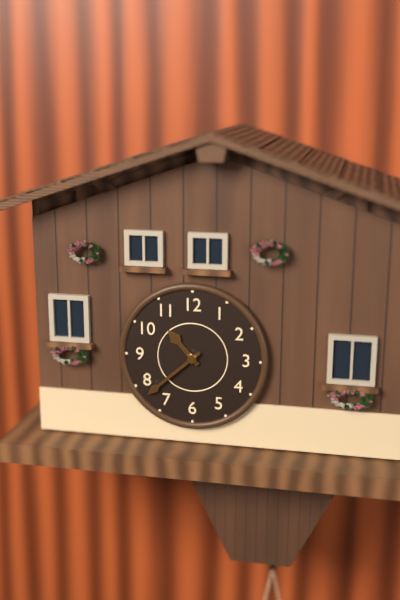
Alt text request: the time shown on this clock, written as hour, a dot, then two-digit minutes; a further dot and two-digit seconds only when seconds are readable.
10.38
